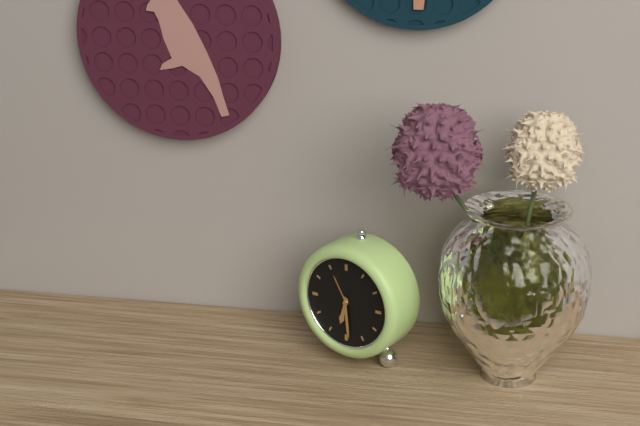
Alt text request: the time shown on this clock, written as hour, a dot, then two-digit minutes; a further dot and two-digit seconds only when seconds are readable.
6.29
